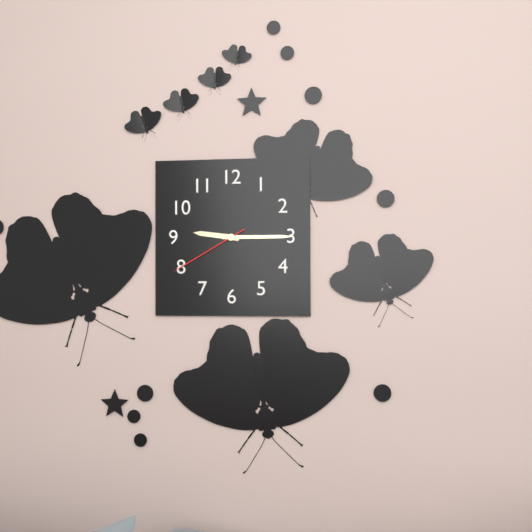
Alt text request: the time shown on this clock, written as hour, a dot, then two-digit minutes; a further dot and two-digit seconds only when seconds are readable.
9.15.40
